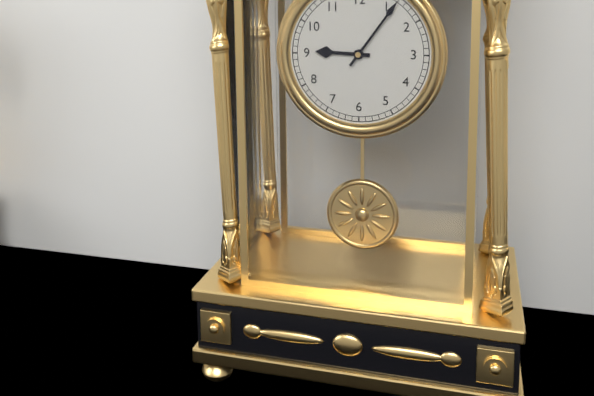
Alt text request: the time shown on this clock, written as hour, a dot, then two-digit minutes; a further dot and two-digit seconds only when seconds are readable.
9.06
